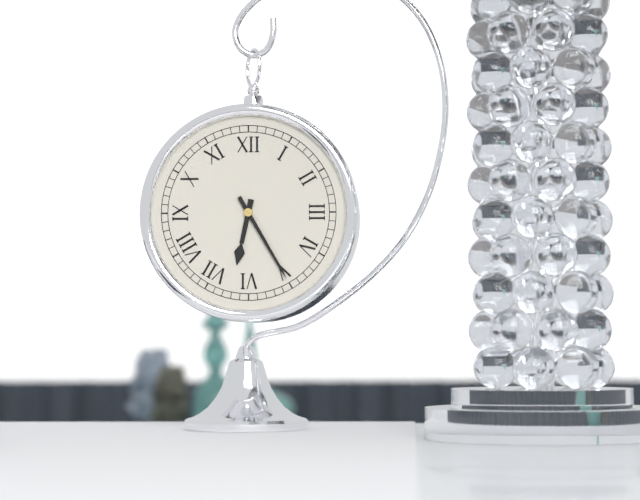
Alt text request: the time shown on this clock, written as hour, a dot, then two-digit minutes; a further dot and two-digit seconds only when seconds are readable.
6.25
